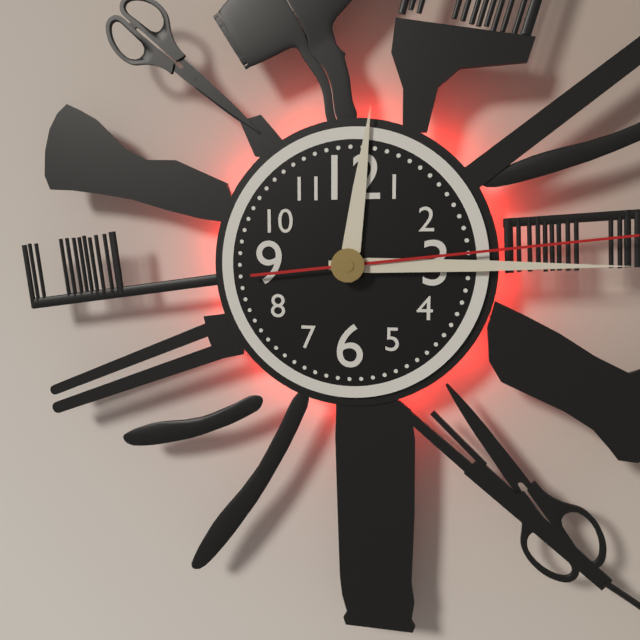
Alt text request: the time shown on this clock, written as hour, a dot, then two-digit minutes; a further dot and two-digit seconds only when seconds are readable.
12.15.14
